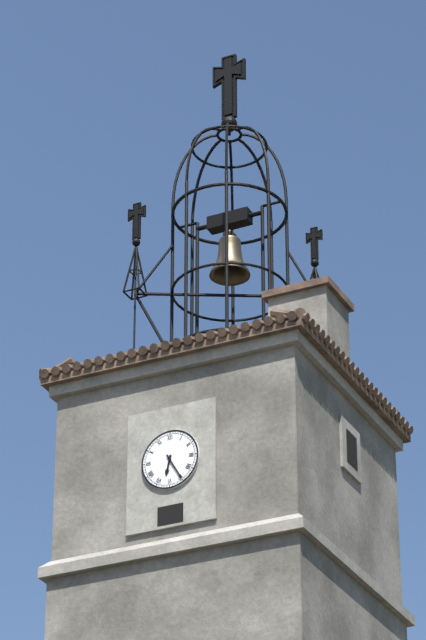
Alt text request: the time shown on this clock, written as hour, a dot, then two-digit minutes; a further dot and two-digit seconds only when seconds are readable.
6.25
